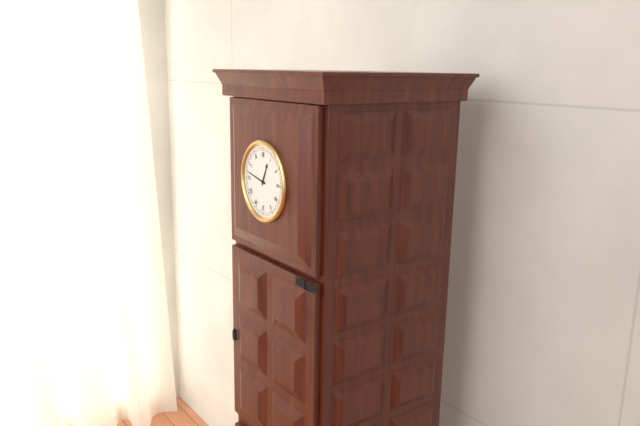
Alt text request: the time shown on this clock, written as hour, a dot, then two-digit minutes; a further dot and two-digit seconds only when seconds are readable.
12.47
